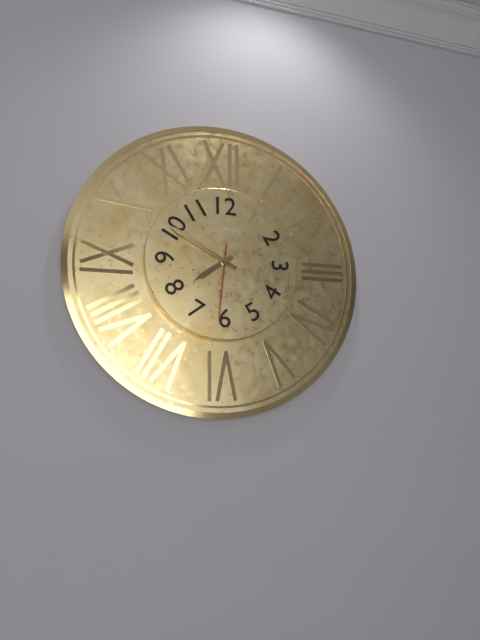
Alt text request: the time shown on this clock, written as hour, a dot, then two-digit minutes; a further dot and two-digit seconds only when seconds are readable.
7.50.31
